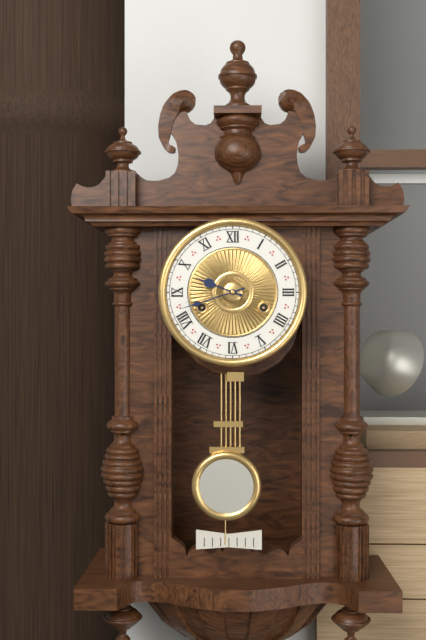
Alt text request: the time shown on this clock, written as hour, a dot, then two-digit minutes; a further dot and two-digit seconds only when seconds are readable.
9.42
